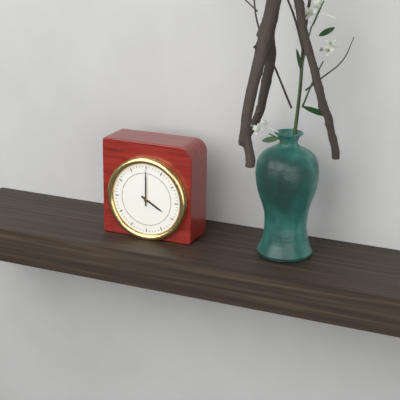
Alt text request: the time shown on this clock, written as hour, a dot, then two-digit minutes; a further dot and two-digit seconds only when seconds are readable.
4.00
